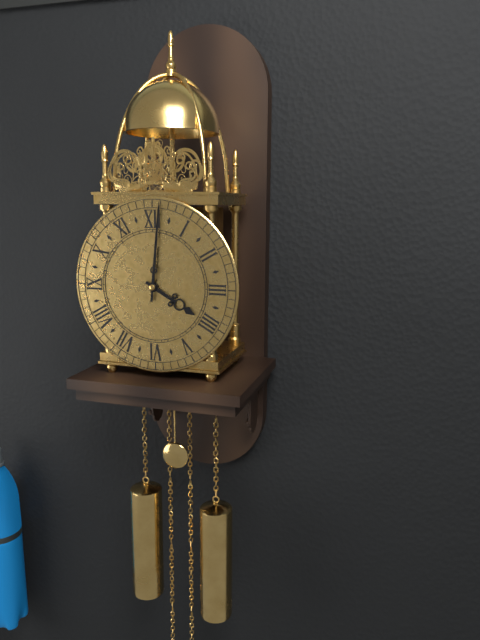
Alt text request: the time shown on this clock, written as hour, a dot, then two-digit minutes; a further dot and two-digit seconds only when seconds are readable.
4.01
